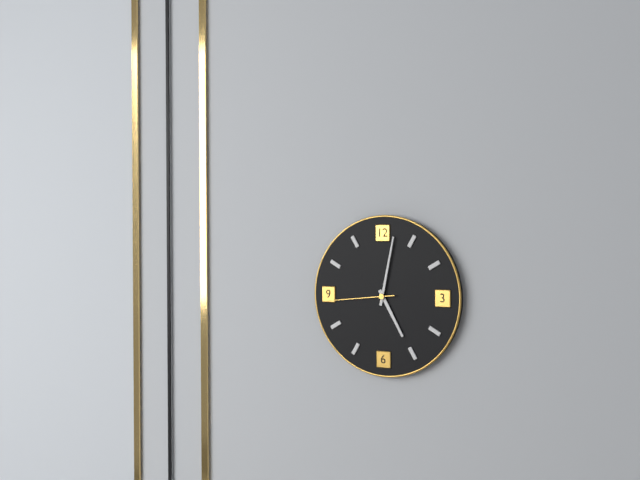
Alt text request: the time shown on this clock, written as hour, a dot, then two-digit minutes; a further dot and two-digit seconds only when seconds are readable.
5.02.44
